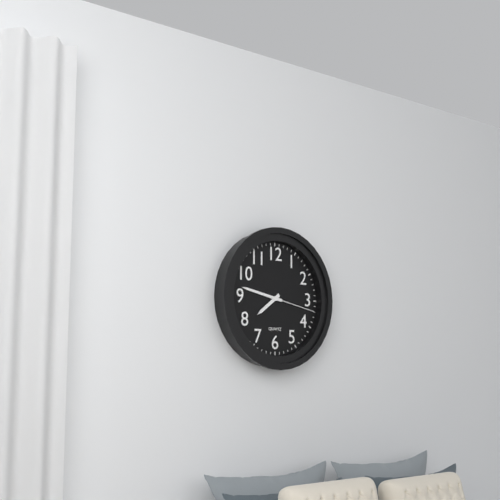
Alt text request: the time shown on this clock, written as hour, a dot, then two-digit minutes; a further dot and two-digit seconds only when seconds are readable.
7.47.17
